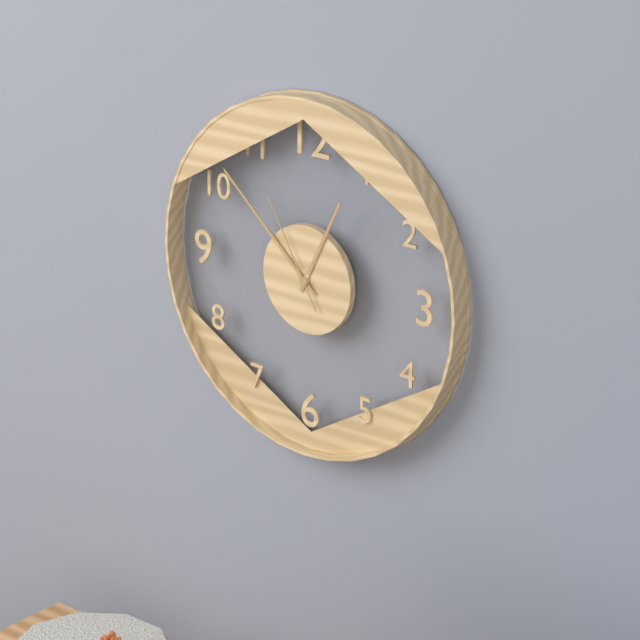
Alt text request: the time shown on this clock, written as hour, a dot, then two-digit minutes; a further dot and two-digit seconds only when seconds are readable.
12.52.55
